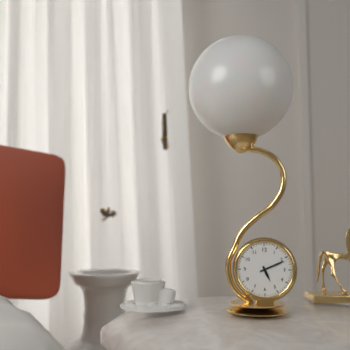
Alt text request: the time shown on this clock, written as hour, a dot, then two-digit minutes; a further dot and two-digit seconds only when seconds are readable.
5.11
